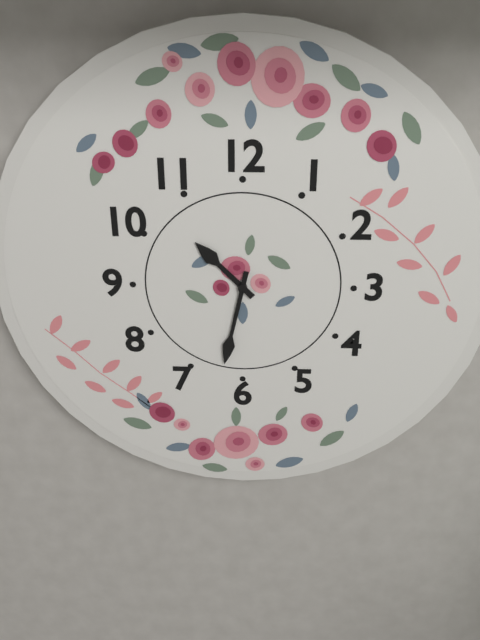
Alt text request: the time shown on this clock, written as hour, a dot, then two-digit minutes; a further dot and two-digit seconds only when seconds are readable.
10.32
